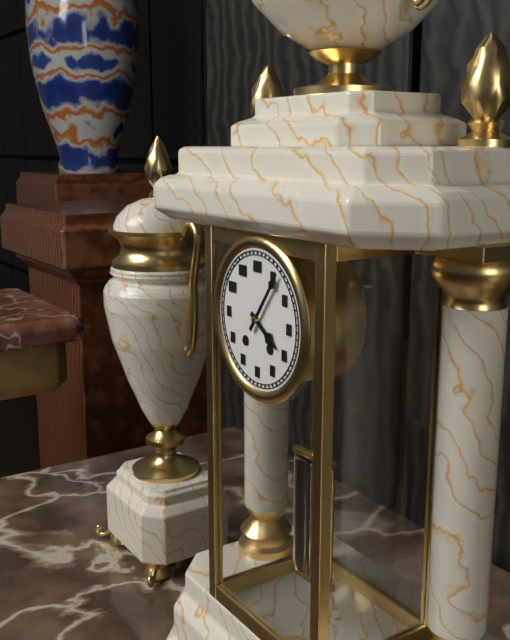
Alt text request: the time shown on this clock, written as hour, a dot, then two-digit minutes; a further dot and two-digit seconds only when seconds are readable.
4.06
